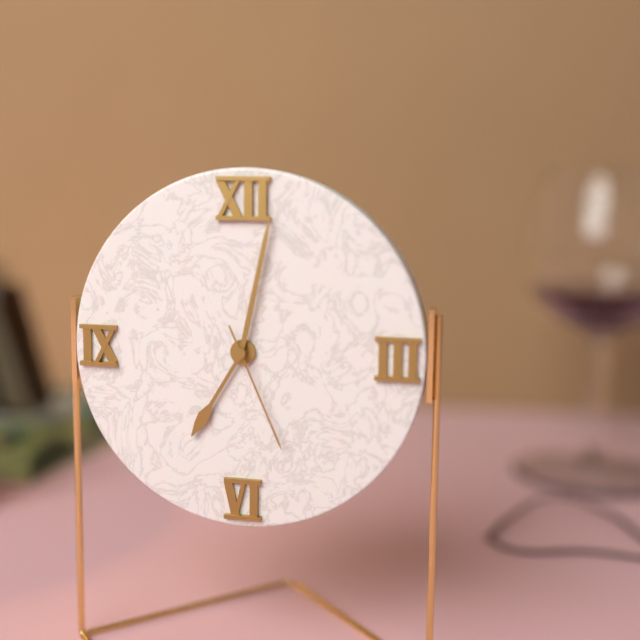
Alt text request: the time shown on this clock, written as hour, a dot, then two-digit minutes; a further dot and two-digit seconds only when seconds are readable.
7.02.26
